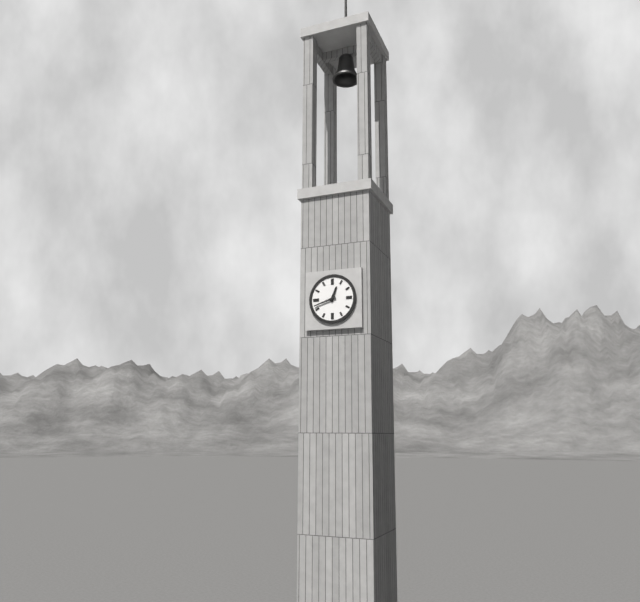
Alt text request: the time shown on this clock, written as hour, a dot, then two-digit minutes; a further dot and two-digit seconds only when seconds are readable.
12.42
